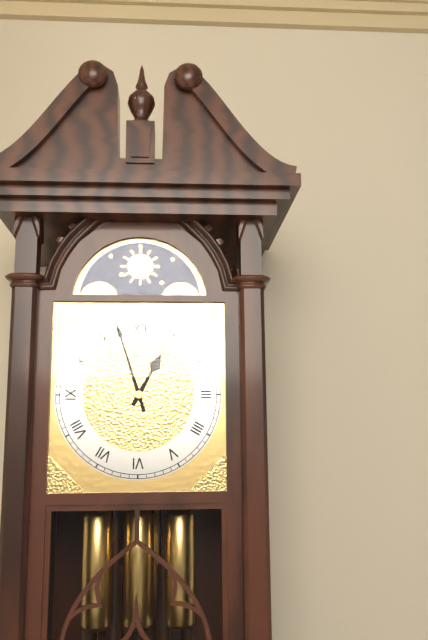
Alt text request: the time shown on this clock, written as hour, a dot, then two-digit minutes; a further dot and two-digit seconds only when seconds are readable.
12.57
